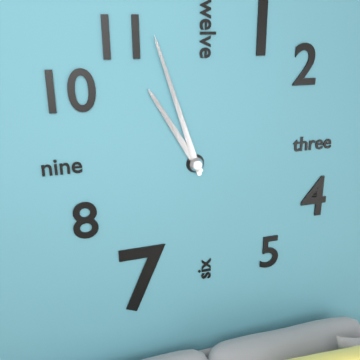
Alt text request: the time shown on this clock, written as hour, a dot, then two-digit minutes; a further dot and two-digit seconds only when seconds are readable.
10.57
